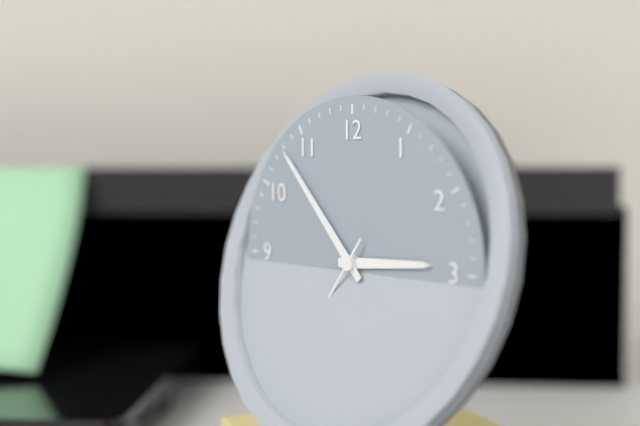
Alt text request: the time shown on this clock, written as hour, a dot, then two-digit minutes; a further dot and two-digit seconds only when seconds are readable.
2.53
